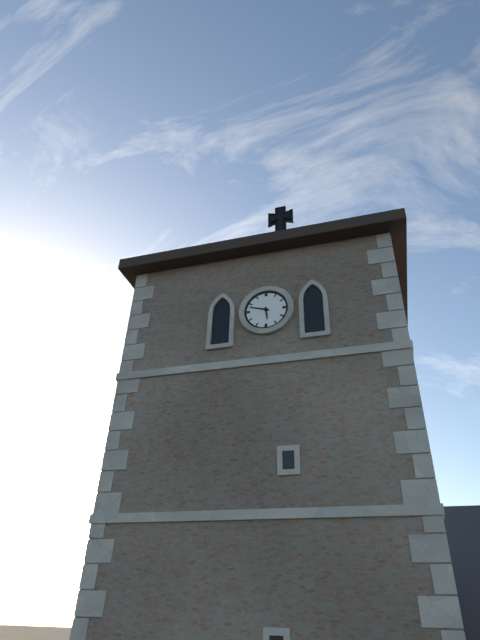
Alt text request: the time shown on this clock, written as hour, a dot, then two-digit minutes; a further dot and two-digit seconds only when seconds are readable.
5.48
